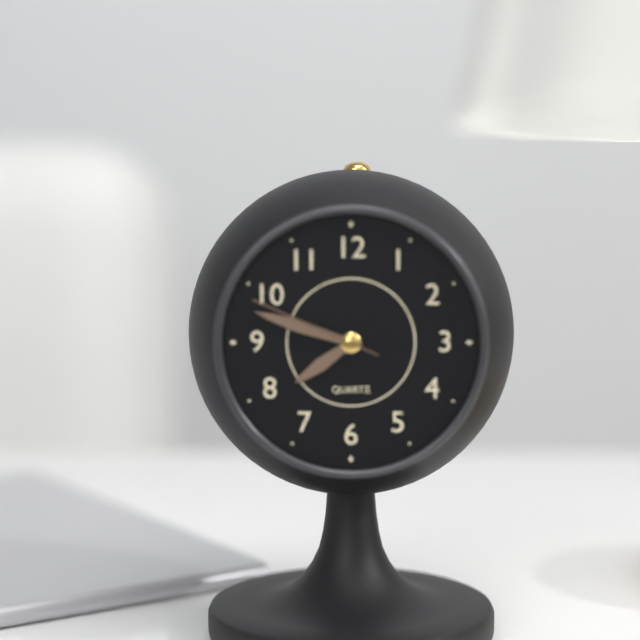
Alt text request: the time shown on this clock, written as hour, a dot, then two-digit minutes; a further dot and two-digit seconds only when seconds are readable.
7.48.49
